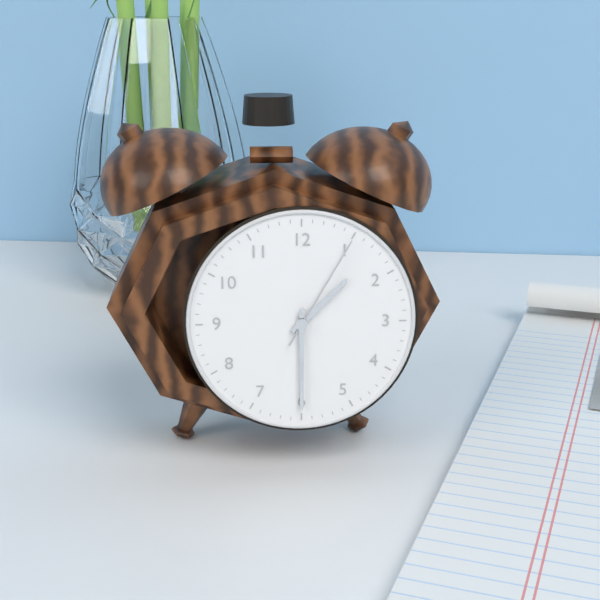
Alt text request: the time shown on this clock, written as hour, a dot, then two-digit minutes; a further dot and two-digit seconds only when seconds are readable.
1.30.05
